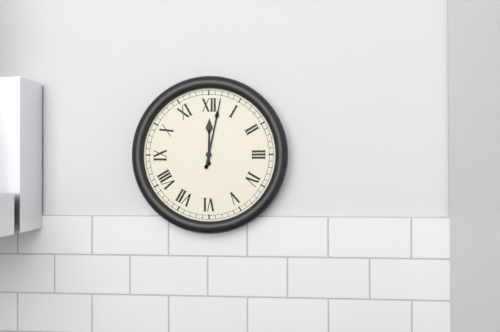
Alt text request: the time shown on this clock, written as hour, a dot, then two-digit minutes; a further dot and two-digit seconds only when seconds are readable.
12.02
